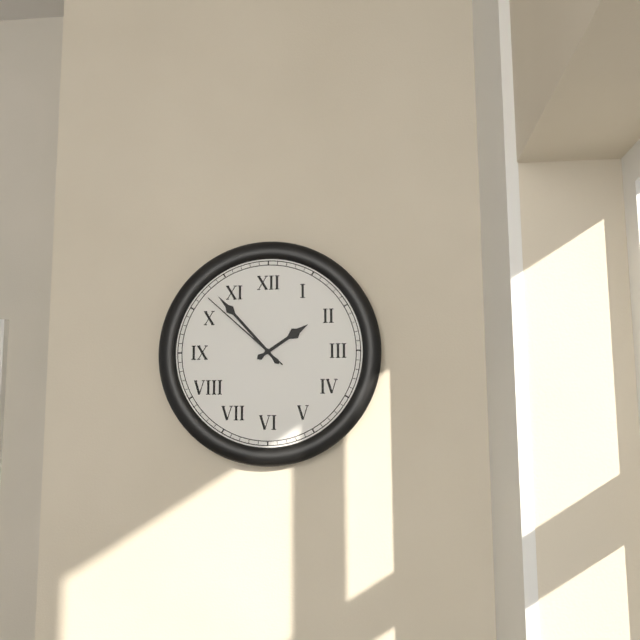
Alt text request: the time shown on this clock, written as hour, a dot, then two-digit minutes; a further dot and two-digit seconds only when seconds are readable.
1.53.52
